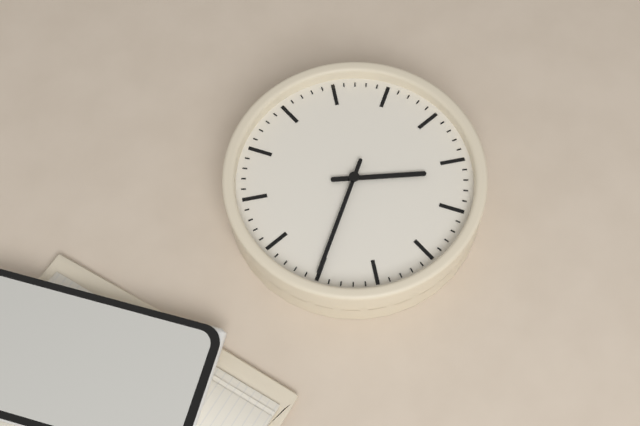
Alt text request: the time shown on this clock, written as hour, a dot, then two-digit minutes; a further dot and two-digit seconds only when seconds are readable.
11.15
